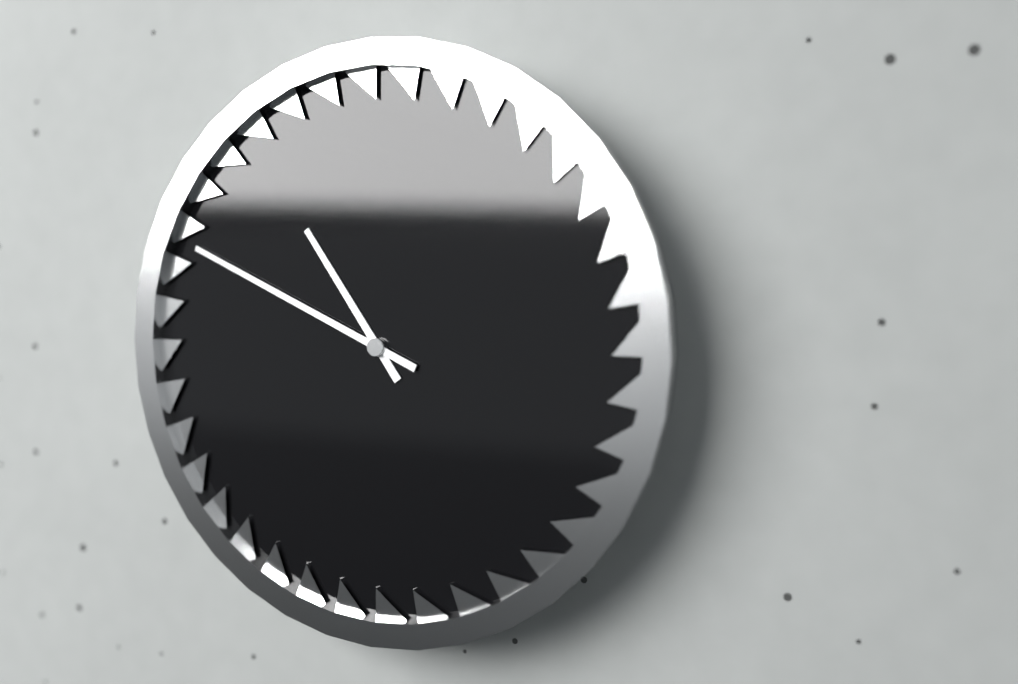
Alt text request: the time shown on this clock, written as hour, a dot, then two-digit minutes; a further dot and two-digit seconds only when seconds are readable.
10.49
